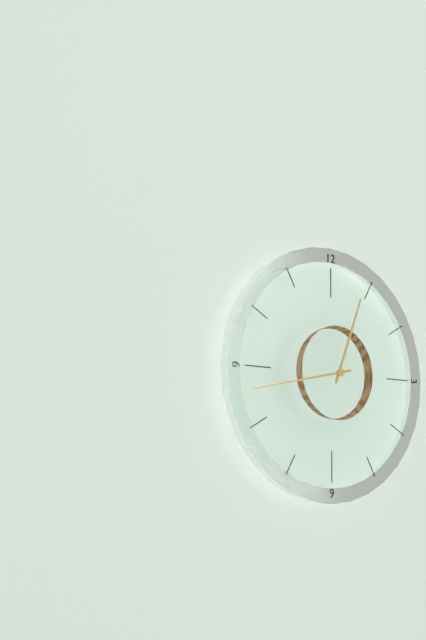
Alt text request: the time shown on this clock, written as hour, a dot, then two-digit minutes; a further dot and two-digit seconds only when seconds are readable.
12.43
